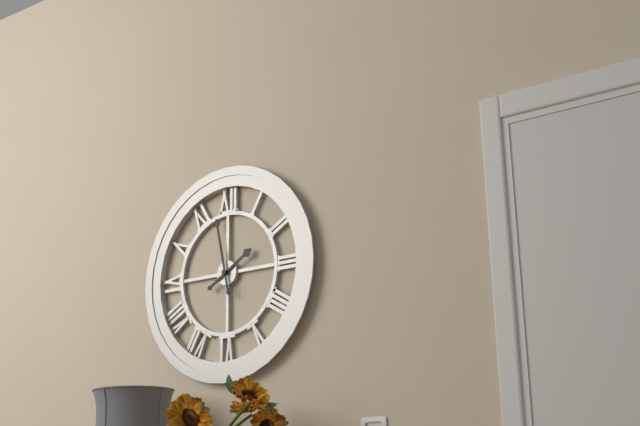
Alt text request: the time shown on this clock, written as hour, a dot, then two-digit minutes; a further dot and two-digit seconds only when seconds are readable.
1.58
